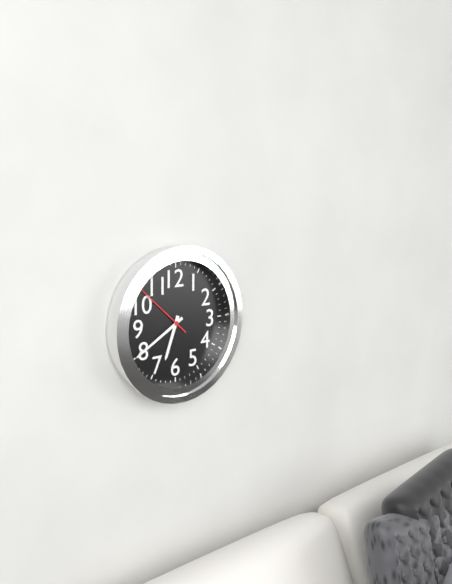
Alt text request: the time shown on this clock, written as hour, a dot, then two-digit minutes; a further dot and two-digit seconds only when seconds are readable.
6.40.52
